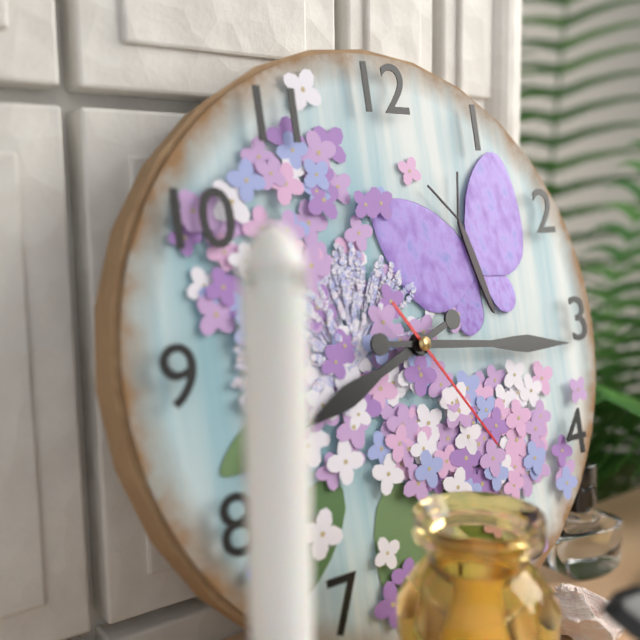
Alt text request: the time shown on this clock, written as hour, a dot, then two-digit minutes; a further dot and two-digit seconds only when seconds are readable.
8.16.24
